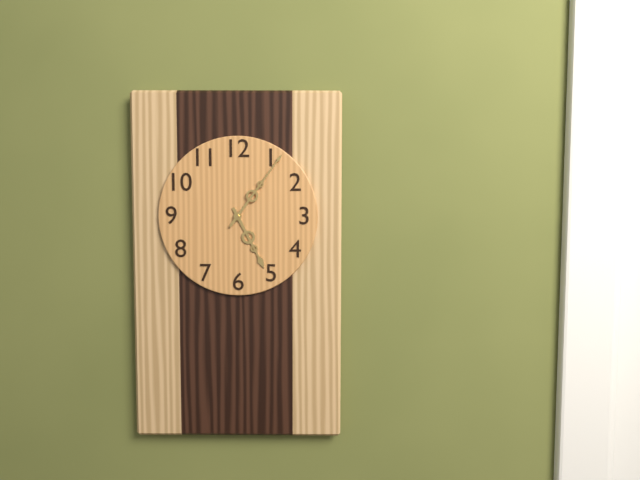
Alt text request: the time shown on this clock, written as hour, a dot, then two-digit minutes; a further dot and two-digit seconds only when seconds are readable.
5.06
